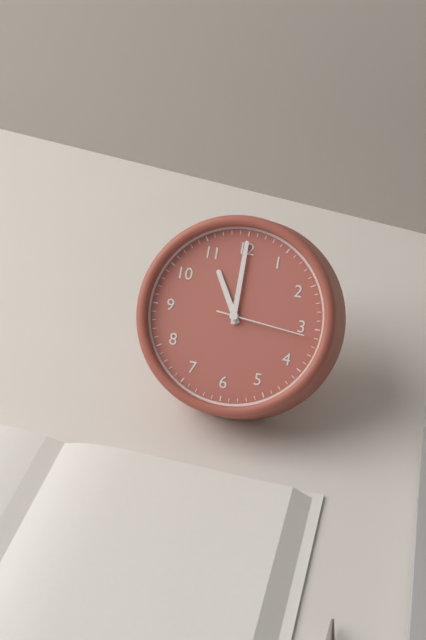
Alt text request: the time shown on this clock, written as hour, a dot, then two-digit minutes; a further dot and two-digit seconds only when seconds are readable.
11.00.16
